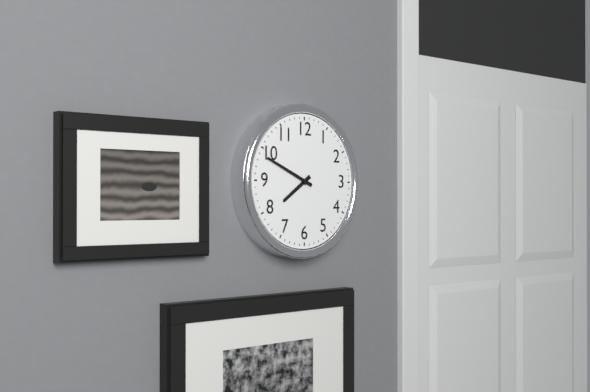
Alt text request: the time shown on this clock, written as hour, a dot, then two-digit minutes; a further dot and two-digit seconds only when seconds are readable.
7.49
